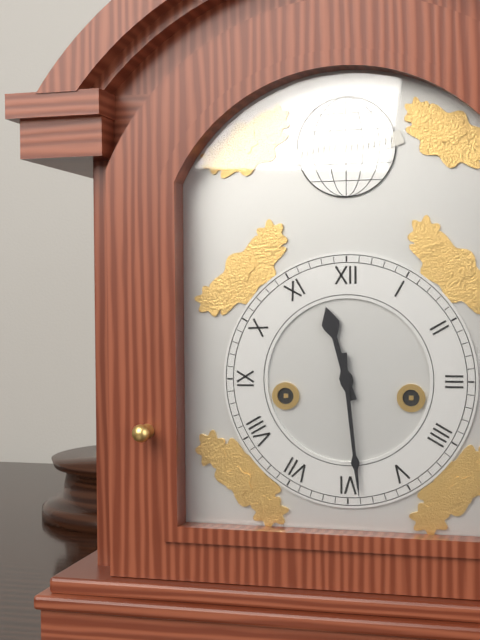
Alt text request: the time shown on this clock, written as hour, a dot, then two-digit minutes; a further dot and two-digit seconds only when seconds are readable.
11.29
